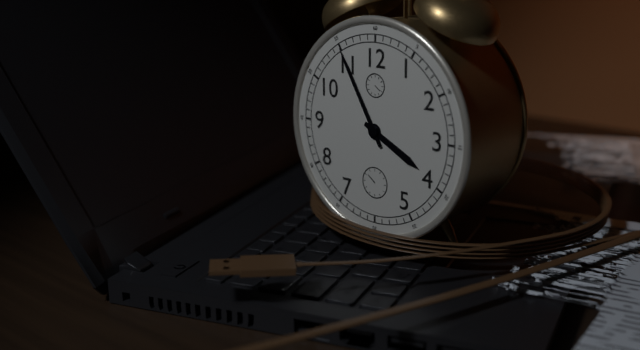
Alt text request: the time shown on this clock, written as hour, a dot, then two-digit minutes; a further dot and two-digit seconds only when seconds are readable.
3.55
